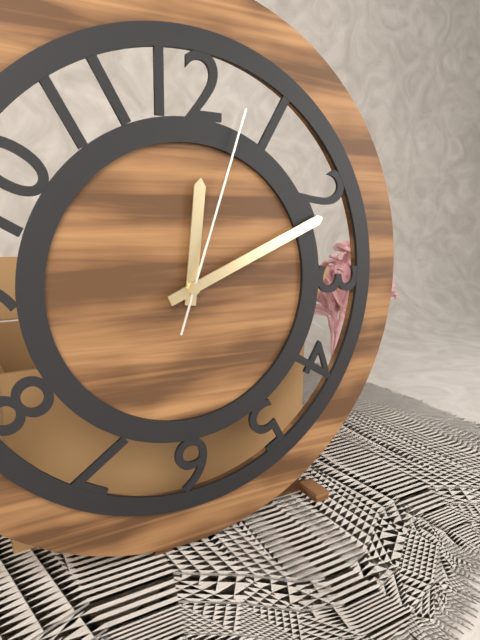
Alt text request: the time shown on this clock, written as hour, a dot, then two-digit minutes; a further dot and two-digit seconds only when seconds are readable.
12.11.03
